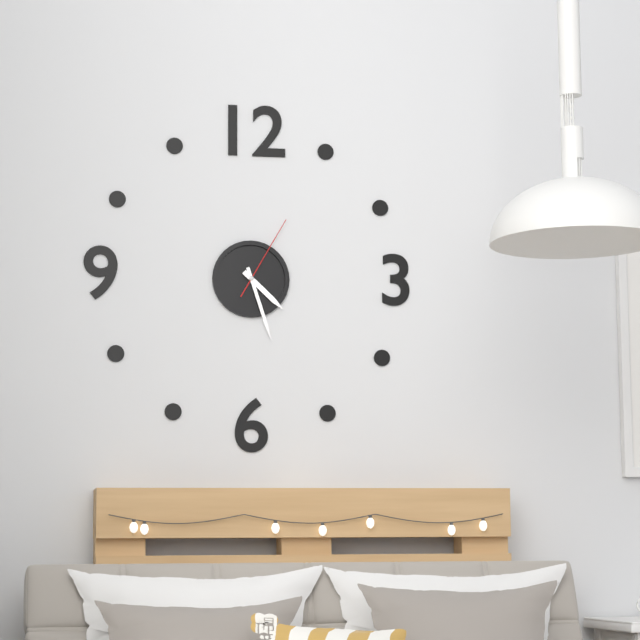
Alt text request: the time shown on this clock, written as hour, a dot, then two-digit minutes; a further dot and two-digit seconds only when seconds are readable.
4.27.05
